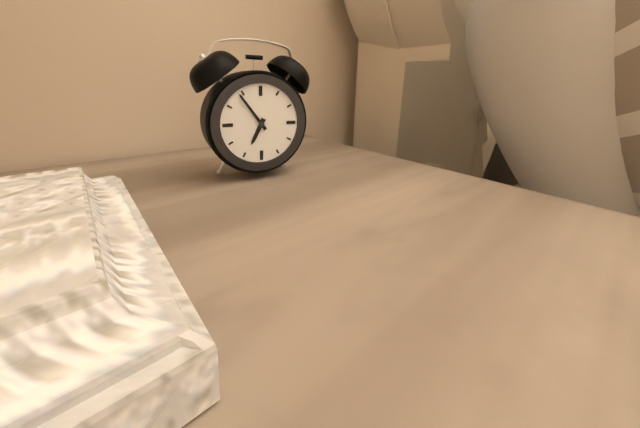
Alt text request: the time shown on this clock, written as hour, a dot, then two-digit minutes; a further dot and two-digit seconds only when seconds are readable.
6.54
